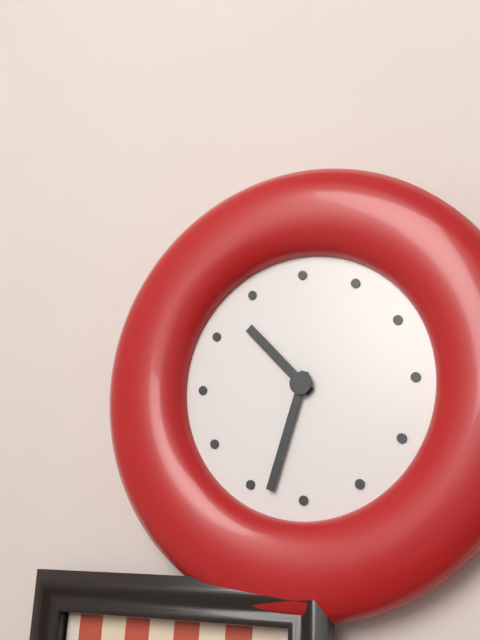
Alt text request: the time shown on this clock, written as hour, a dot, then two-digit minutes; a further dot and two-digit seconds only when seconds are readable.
10.33
